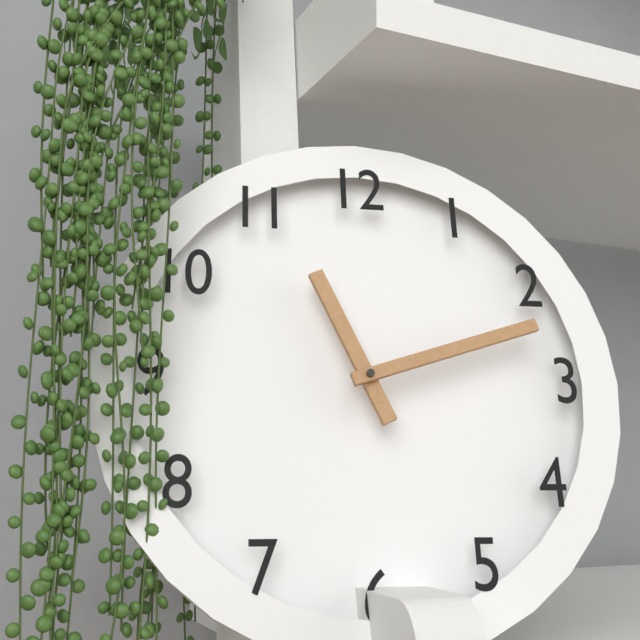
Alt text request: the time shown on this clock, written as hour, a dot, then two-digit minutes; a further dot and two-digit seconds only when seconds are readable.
11.12
